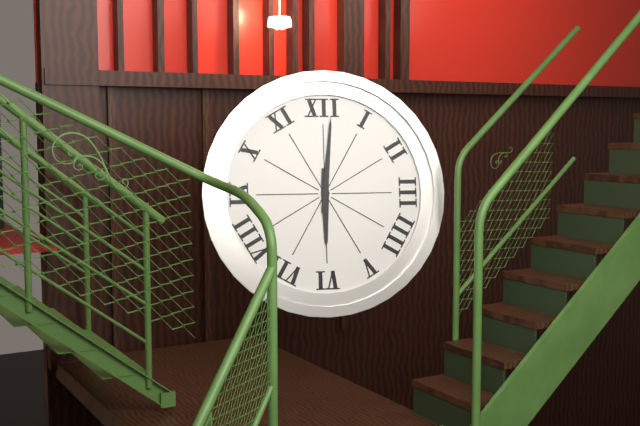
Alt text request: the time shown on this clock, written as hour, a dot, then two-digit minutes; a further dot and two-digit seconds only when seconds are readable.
6.01
